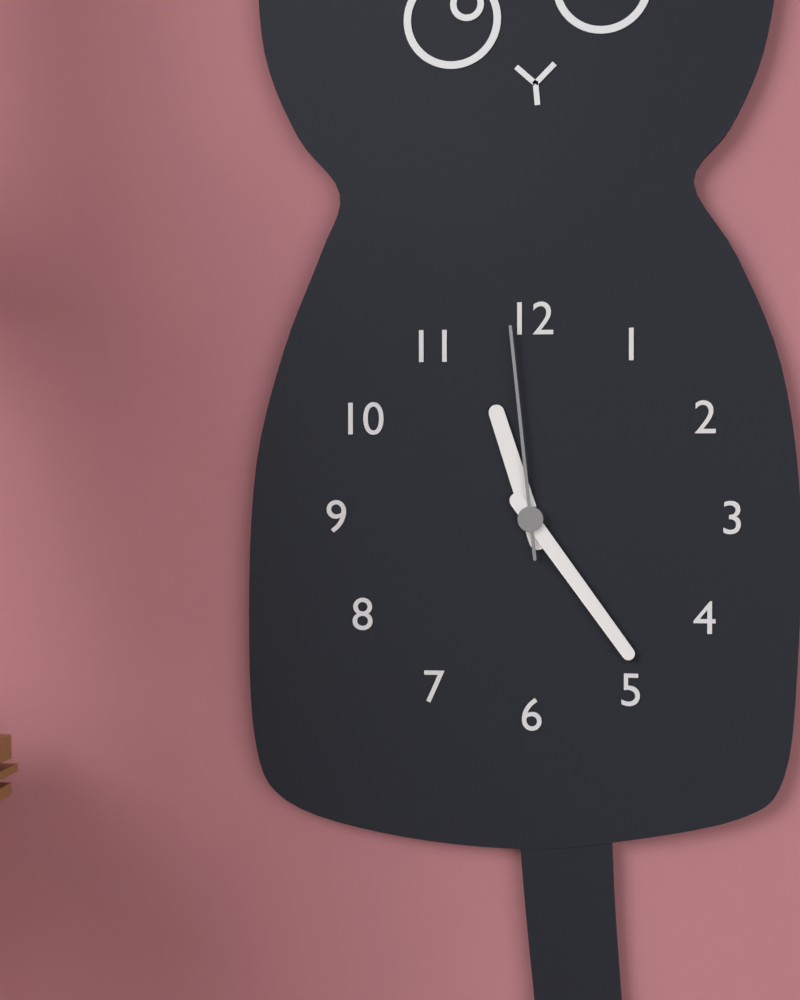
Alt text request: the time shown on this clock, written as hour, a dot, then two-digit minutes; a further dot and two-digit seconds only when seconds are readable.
11.24.59
